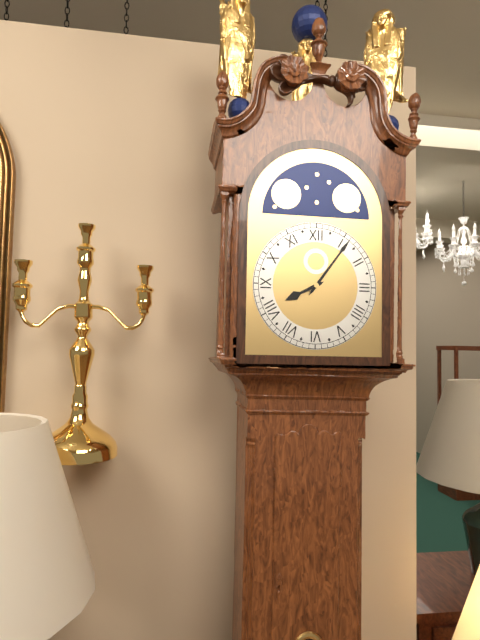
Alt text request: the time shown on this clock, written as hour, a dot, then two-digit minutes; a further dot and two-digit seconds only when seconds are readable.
8.06
